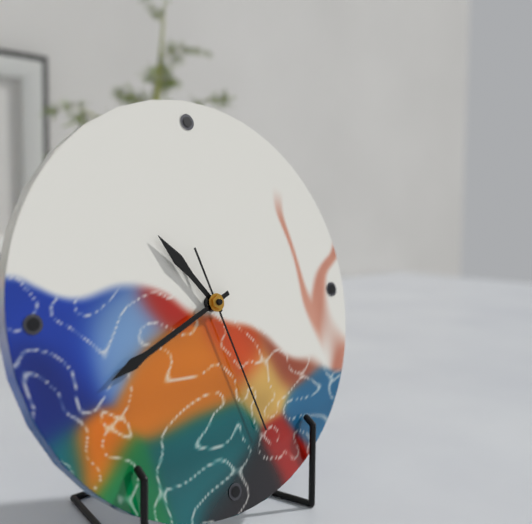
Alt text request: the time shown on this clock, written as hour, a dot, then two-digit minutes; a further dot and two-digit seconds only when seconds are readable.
10.41.27
